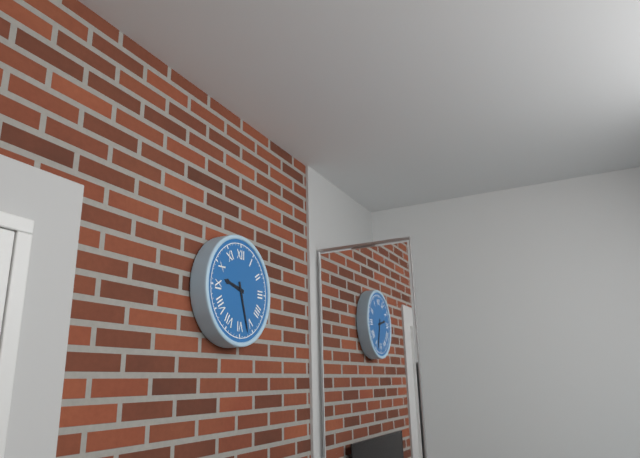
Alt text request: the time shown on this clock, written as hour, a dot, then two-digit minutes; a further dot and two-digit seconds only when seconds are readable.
9.27
